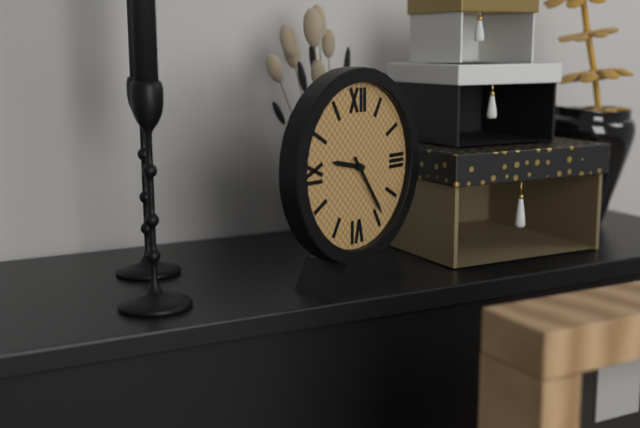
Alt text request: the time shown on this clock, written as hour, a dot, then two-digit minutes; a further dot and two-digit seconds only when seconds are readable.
9.24
